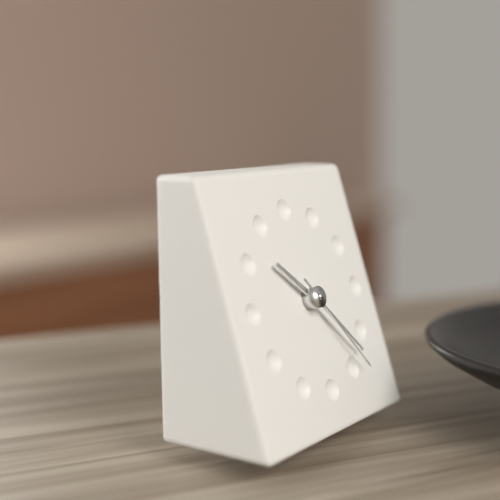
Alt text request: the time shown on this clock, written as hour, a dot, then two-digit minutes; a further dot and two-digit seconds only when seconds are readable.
10.23.24
